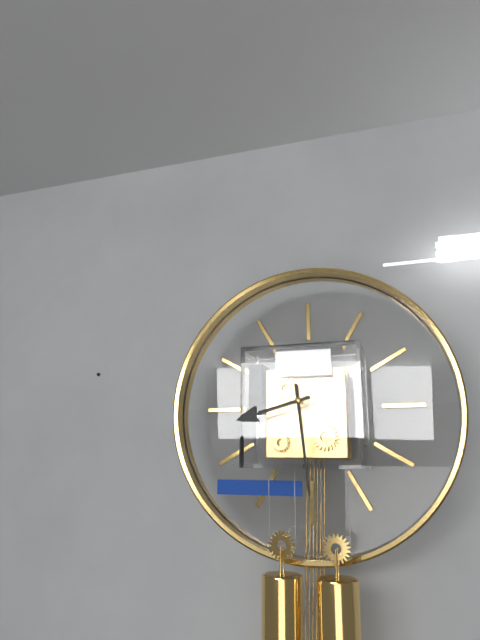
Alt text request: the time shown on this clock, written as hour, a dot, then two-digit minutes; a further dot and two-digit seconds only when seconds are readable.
8.29
